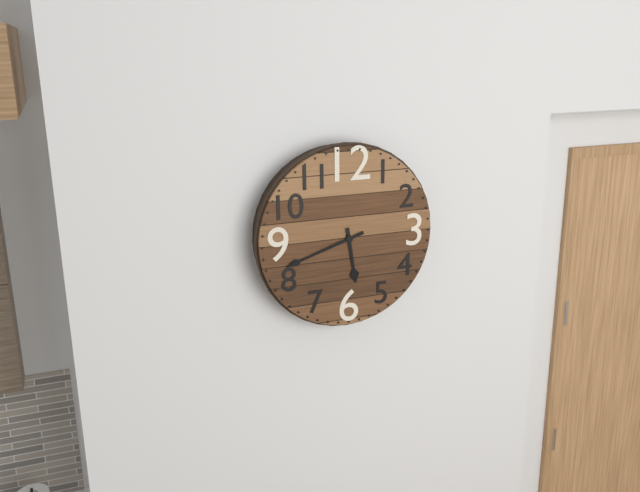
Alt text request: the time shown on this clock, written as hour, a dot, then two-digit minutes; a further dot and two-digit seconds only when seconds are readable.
5.42
